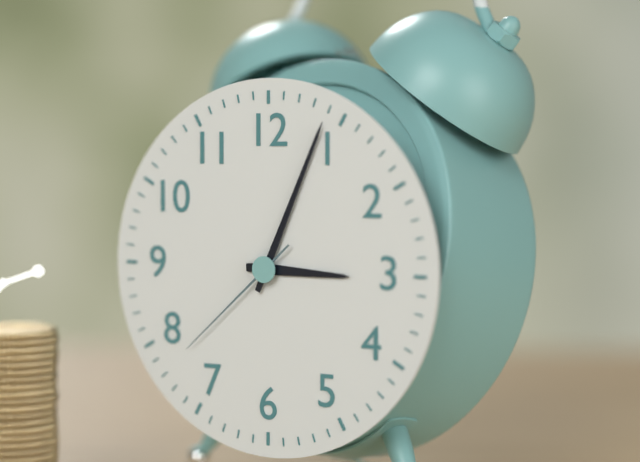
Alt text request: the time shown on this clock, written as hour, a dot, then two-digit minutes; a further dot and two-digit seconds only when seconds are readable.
3.04.38
